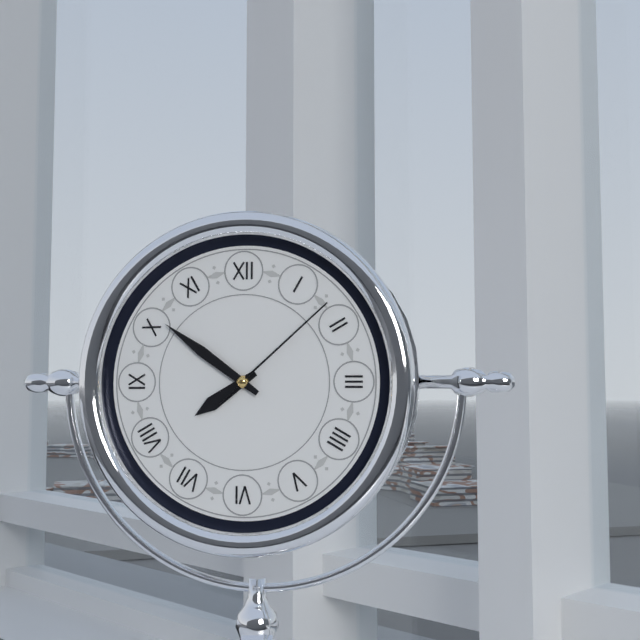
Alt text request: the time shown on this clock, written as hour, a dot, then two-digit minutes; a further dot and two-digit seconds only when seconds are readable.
7.51.08
